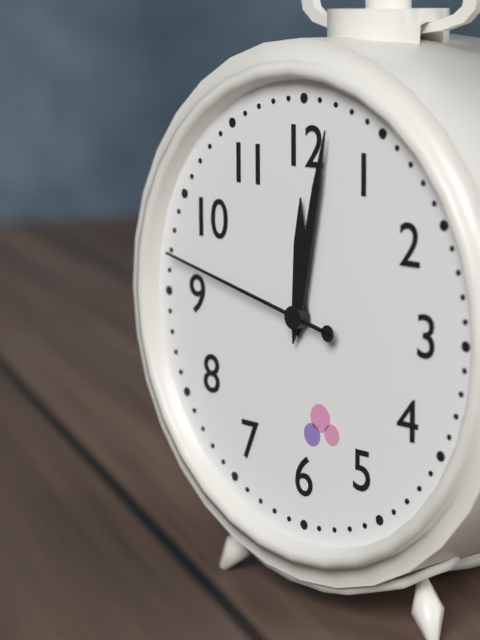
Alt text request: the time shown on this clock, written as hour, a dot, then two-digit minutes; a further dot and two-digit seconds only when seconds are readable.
12.02.47
